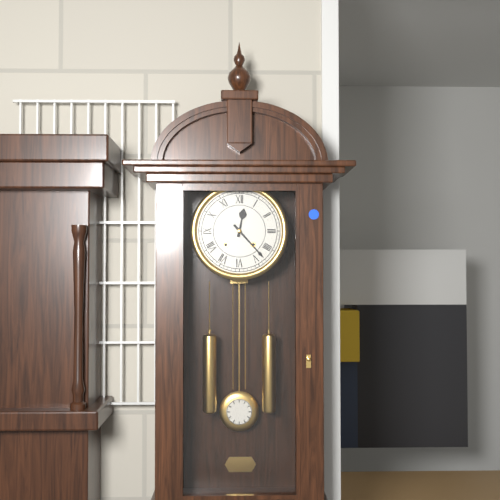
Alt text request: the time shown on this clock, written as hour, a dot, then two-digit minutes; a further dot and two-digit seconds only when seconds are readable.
12.23
